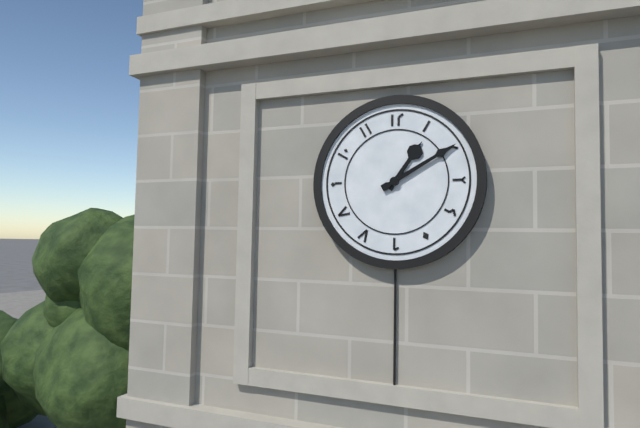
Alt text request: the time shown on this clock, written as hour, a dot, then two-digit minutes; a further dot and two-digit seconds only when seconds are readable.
1.10
